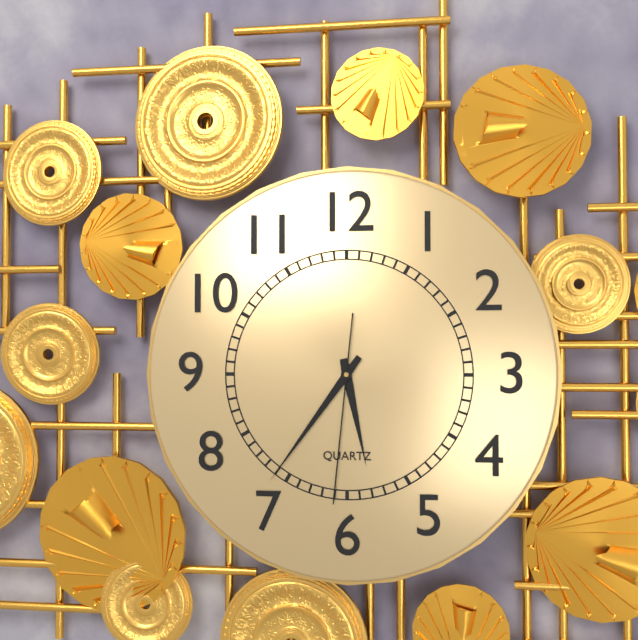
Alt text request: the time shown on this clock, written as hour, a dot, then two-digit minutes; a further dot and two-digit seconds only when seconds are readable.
5.36.31
